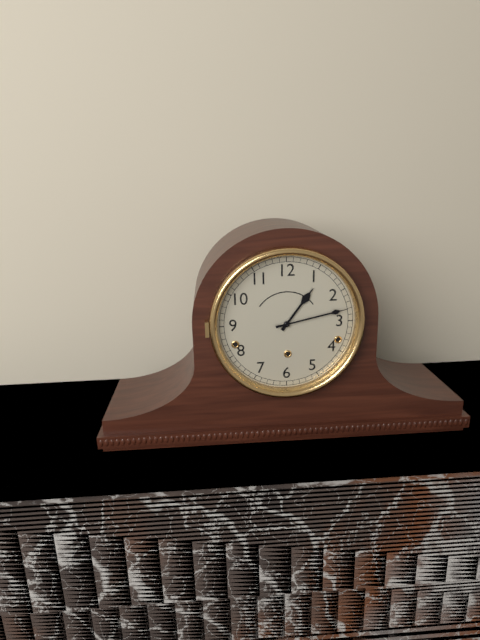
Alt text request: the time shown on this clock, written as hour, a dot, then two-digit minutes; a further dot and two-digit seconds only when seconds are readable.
1.13
